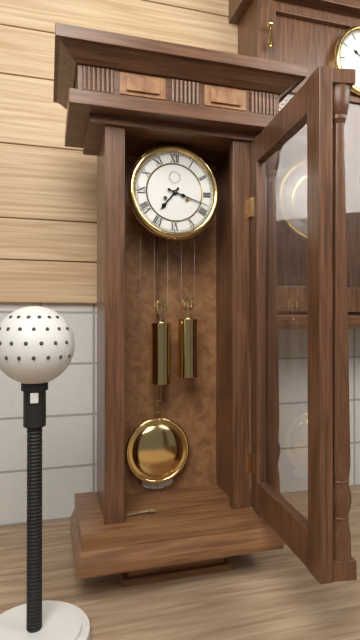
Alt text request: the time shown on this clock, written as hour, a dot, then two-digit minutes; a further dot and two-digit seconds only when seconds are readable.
7.18
